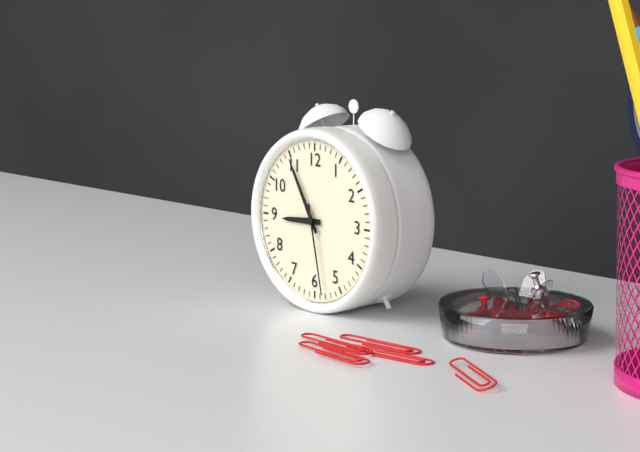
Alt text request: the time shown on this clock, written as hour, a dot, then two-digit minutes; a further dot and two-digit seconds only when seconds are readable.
8.55.28
